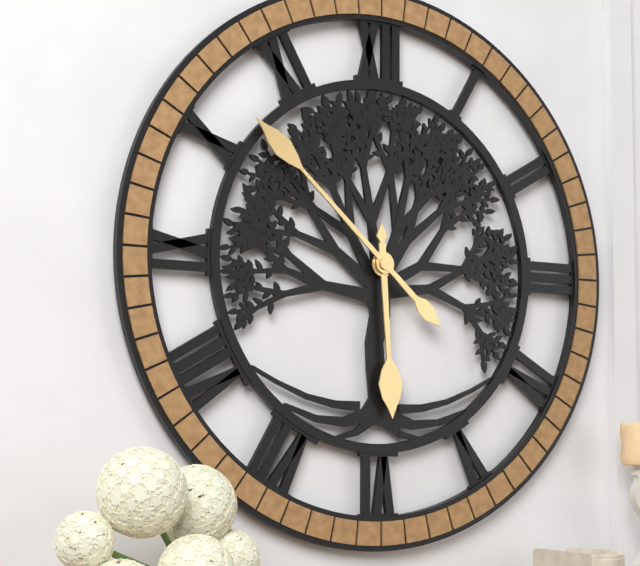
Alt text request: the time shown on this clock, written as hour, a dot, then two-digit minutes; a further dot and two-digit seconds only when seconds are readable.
5.52
